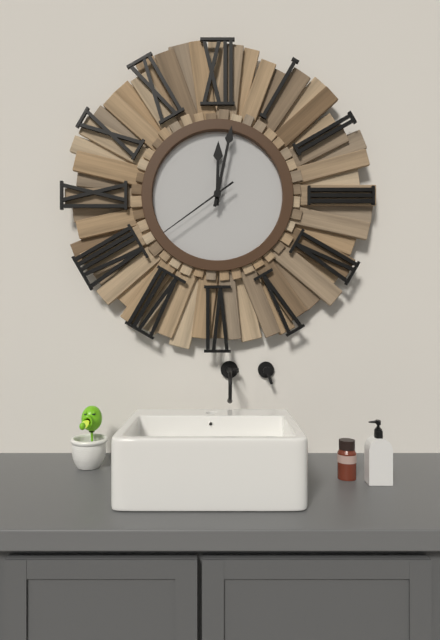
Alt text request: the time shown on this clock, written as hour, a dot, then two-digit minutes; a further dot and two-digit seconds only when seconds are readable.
12.02.39
